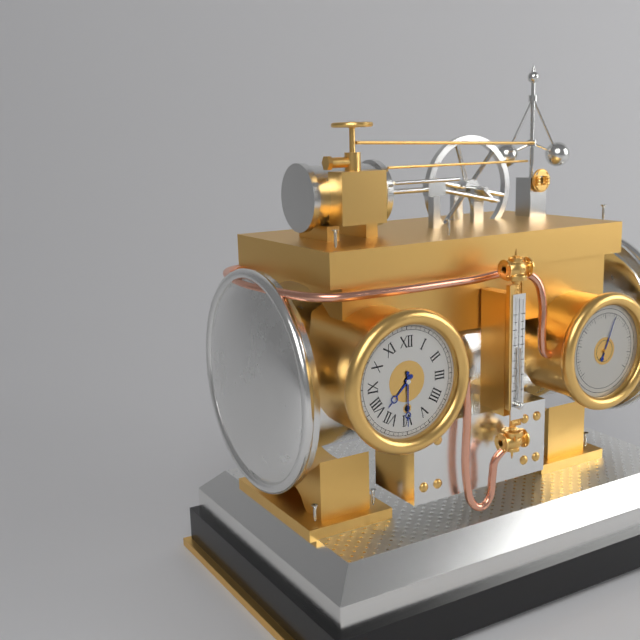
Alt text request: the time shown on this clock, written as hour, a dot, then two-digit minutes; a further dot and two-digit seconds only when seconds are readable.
7.30
